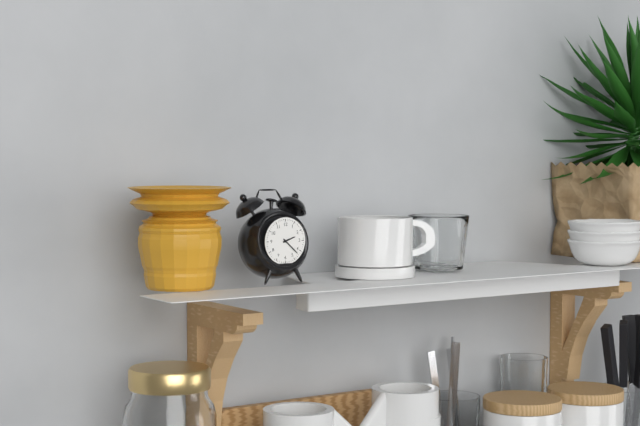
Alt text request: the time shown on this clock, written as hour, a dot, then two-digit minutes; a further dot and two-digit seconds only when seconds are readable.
2.22
